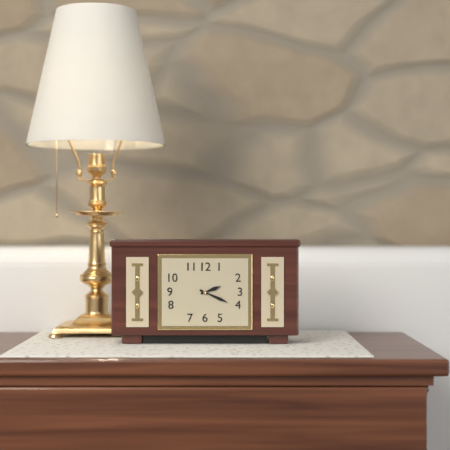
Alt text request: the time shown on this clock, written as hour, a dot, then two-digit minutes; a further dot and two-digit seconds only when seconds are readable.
2.19
